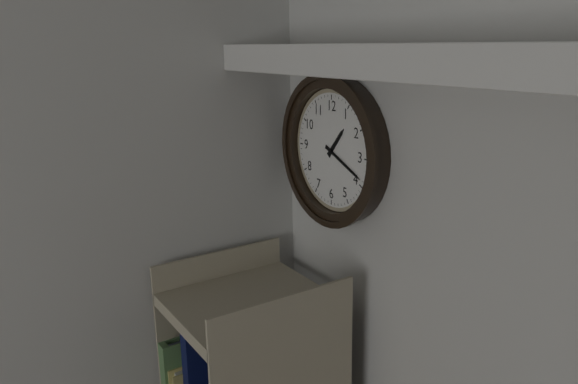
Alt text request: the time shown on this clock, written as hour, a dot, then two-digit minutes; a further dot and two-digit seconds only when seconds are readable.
1.19
